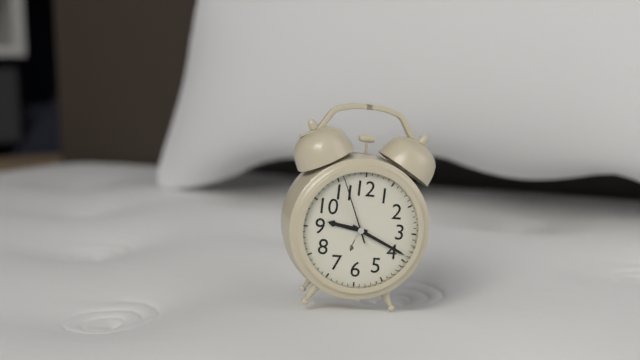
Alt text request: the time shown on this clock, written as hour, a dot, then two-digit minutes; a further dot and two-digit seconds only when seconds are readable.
9.19.56
